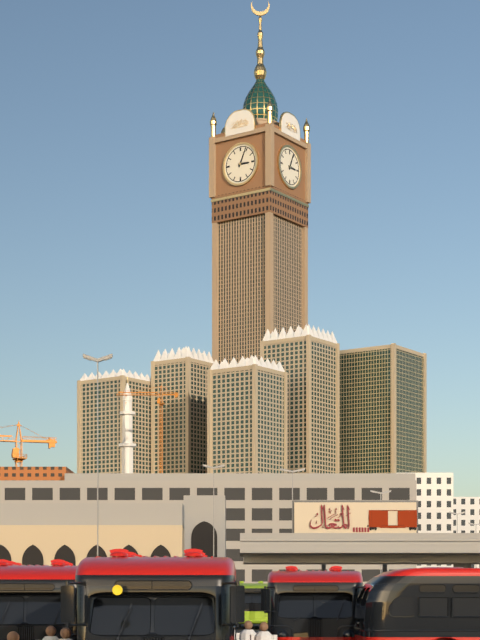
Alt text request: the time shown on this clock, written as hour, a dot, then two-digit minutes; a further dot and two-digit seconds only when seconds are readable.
3.04
